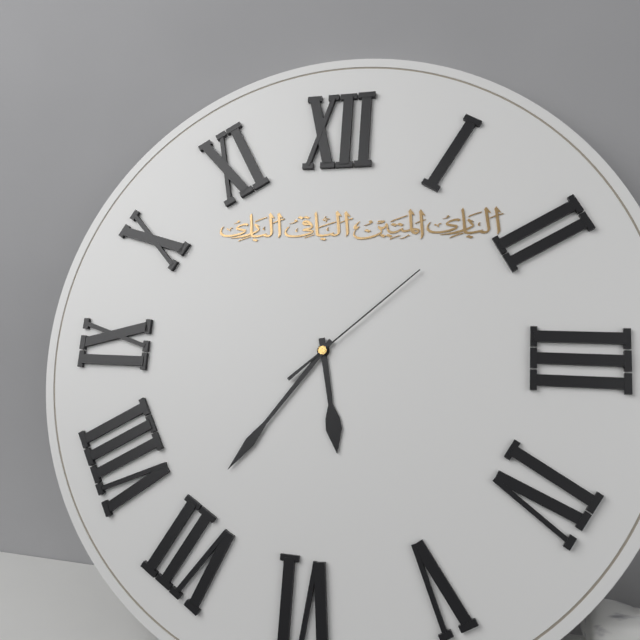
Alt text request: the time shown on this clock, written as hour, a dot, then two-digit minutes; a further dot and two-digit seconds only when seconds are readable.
5.36.08
